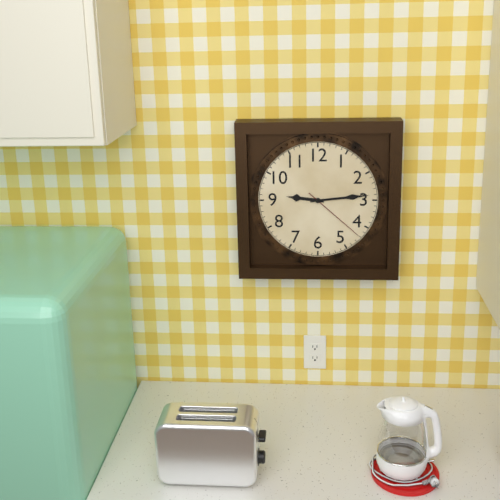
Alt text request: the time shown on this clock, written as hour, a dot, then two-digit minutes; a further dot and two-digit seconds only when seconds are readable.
9.14.22
